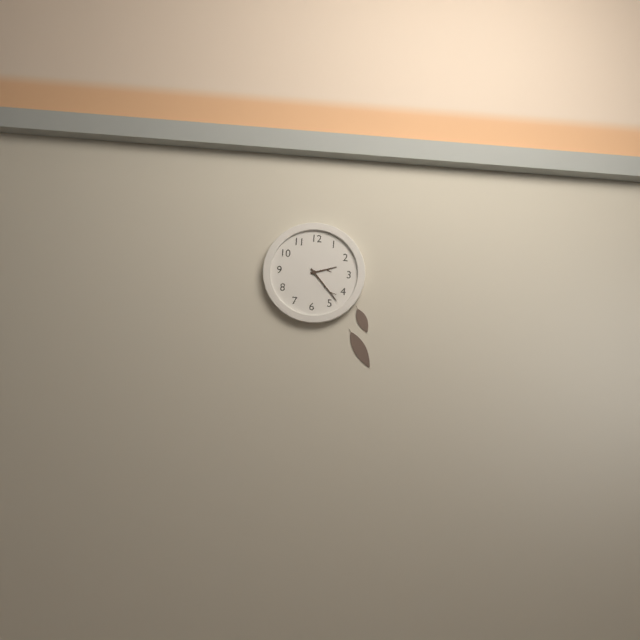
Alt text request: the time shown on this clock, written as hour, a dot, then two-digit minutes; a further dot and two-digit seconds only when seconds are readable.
2.23
